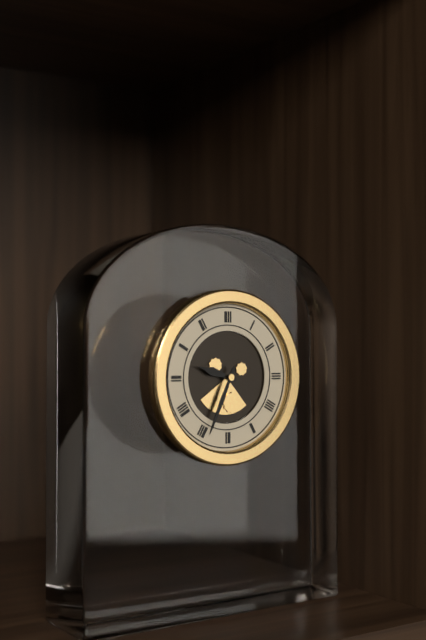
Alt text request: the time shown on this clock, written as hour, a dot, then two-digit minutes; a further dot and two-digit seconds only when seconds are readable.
9.34
